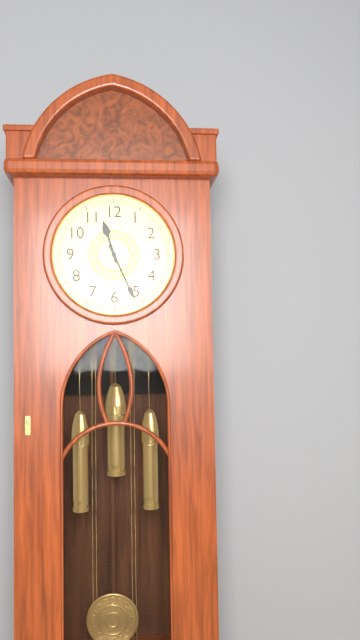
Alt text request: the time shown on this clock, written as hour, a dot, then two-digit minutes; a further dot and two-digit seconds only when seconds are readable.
11.26
